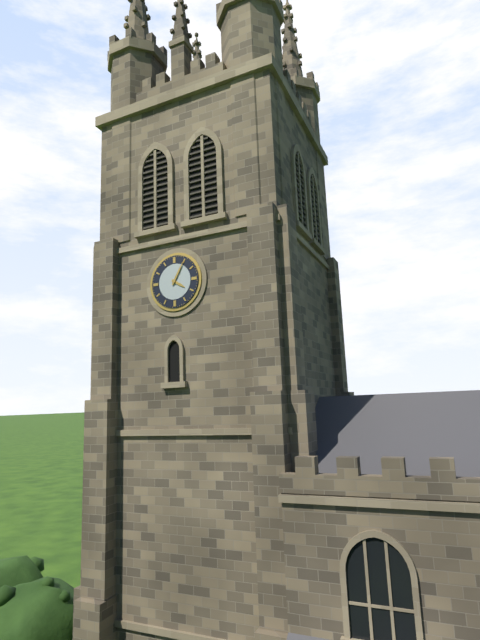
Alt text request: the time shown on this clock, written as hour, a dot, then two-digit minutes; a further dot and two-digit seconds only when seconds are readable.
4.05
